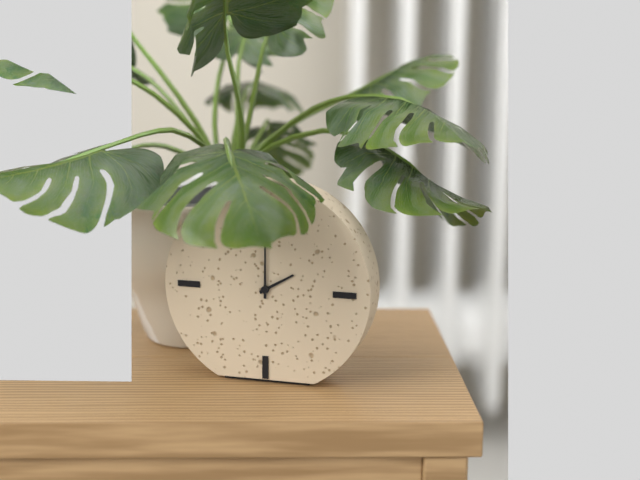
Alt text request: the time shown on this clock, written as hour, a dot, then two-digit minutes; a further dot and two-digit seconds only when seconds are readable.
2.00
